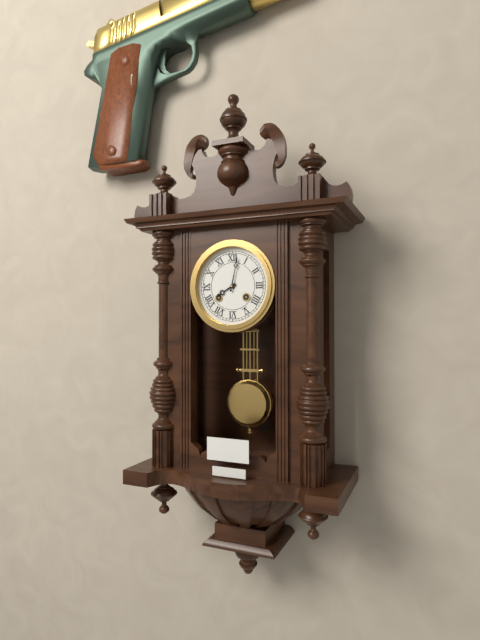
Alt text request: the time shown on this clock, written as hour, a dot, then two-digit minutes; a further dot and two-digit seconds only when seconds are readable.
8.02
